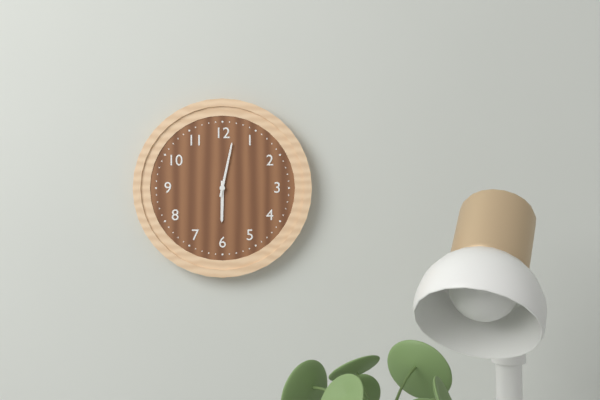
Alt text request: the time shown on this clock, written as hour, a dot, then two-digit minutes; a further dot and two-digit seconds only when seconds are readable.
6.02
